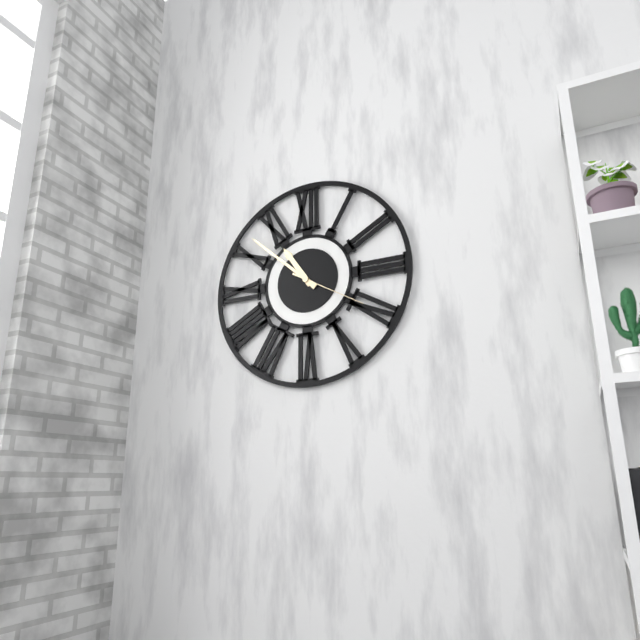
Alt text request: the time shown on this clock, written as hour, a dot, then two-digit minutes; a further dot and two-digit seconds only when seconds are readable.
10.52.20
